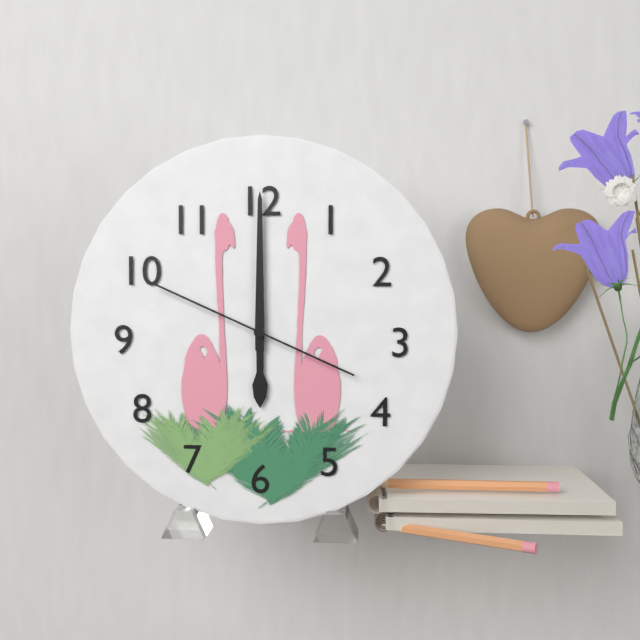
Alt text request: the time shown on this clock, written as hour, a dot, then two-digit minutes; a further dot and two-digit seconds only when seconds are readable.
6.00.49
